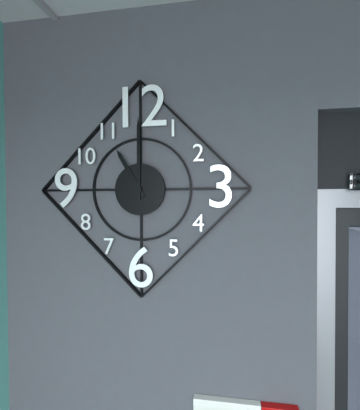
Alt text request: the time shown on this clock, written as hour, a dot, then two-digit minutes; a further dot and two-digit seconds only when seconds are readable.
11.00
